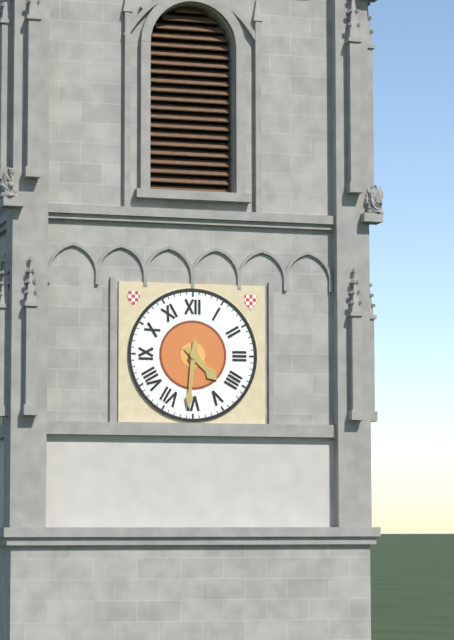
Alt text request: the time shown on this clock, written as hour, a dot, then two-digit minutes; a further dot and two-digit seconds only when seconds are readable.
4.31
